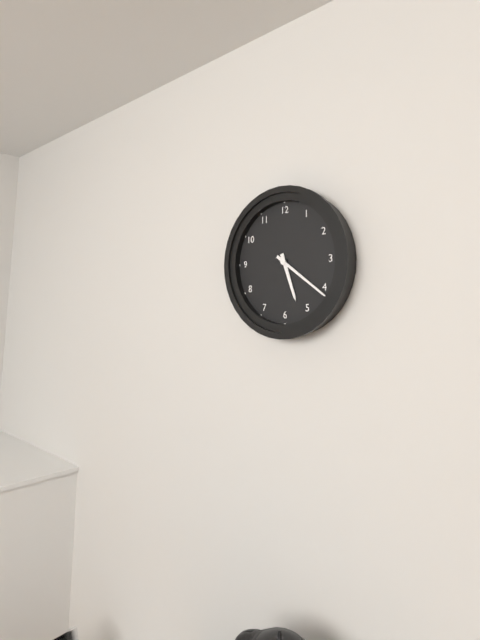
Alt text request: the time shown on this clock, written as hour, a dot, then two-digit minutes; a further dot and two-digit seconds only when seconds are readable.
5.21
